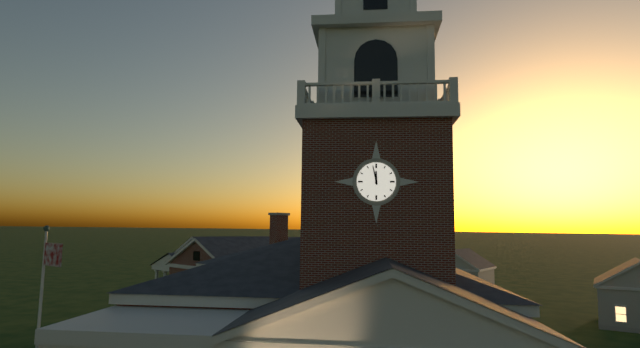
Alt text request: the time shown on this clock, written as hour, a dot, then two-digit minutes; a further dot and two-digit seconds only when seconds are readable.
11.58
